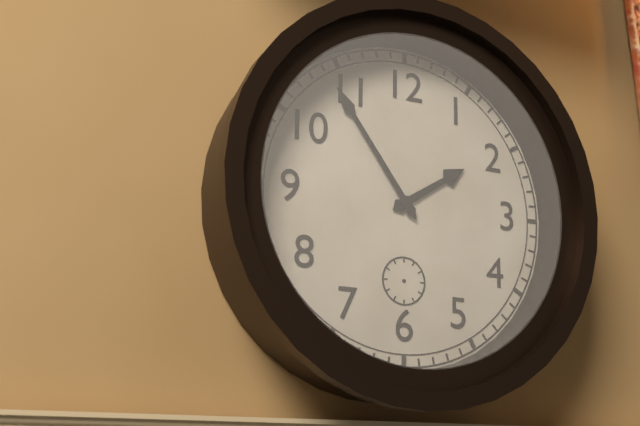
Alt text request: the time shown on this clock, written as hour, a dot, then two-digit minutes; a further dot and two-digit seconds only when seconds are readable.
1.54
